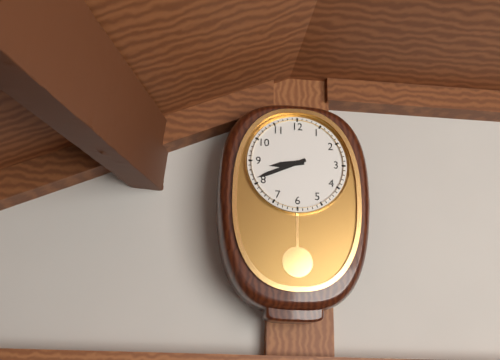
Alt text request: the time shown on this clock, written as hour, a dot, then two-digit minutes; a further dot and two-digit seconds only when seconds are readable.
8.41
